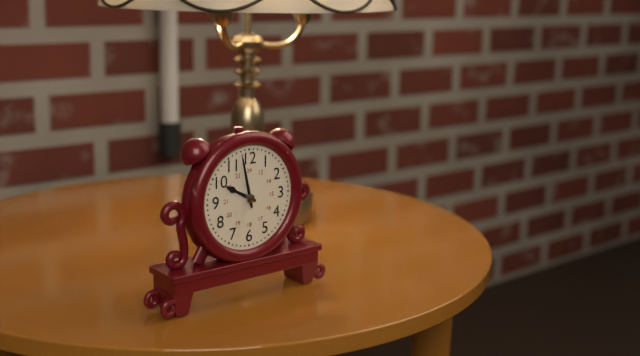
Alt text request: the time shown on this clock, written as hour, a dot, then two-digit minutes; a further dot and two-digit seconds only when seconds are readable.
9.58
